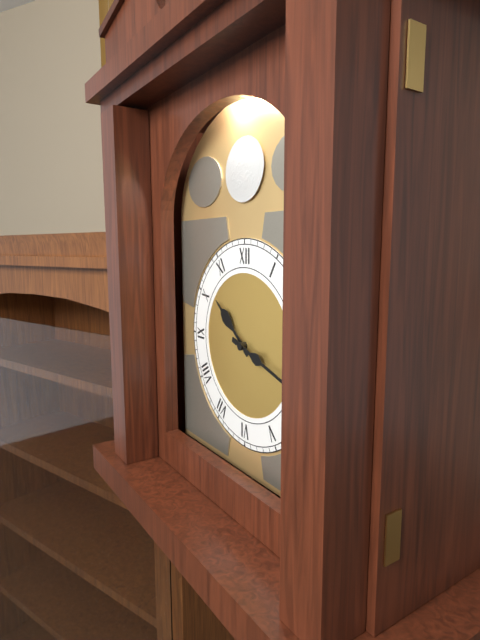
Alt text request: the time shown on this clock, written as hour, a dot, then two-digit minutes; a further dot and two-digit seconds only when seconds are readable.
10.18
